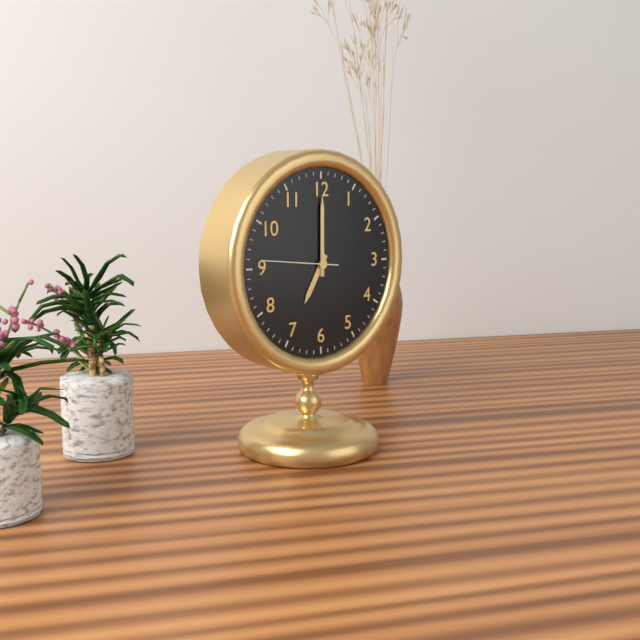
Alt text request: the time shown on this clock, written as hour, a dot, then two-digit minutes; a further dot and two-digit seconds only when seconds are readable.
7.00.46
